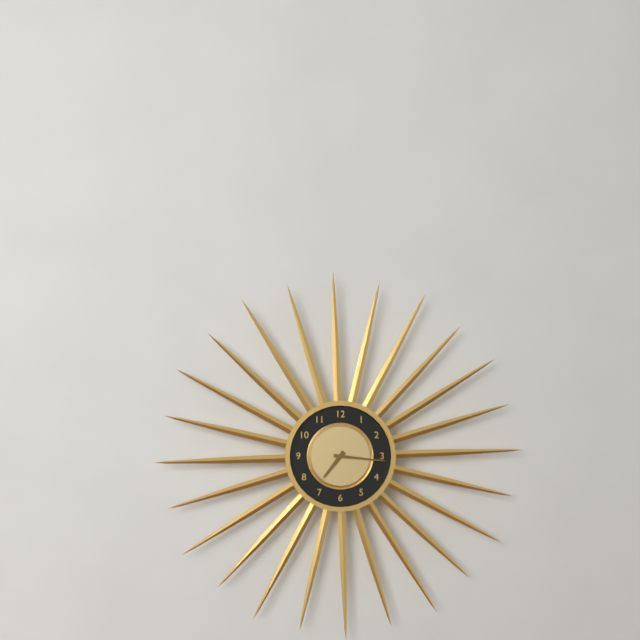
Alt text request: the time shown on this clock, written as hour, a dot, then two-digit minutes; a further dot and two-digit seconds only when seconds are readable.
7.16
